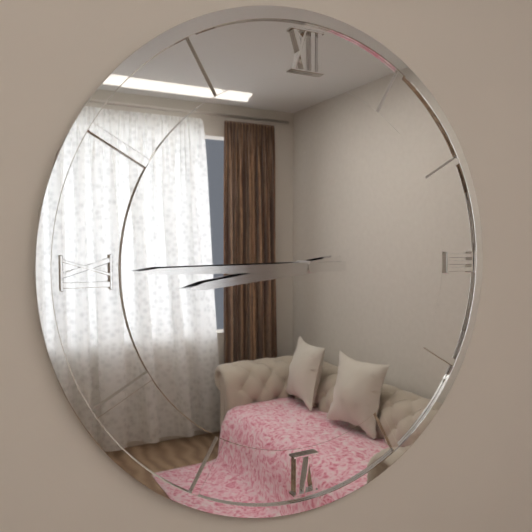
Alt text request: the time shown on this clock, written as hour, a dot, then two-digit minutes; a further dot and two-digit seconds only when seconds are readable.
8.45
